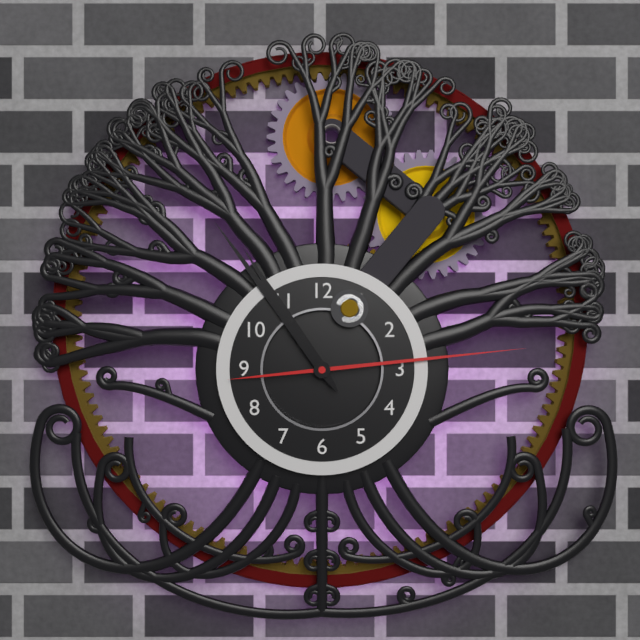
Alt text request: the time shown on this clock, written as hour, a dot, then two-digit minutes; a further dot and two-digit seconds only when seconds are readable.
10.54.14
